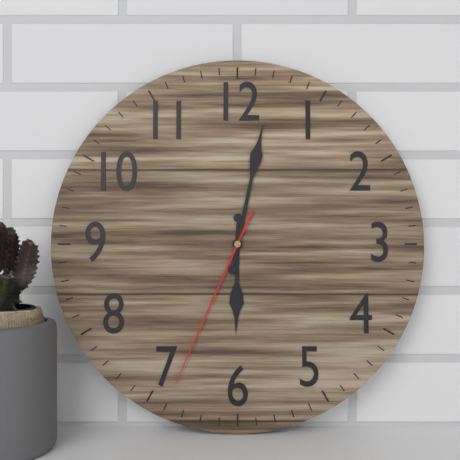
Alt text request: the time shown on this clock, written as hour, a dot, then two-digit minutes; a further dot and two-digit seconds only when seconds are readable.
6.02.34
